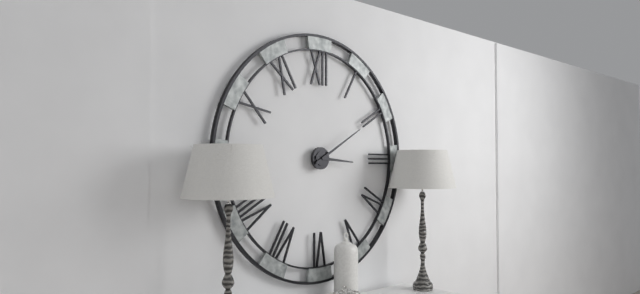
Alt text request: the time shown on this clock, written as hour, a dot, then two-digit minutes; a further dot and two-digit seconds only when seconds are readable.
3.10
